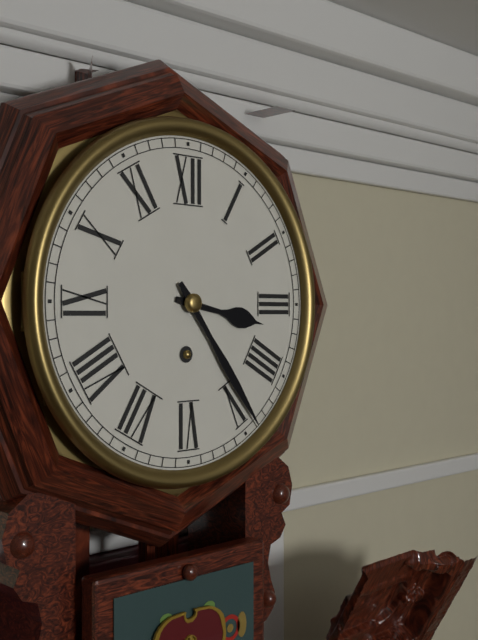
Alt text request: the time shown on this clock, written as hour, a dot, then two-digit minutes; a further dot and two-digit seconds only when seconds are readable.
3.24
